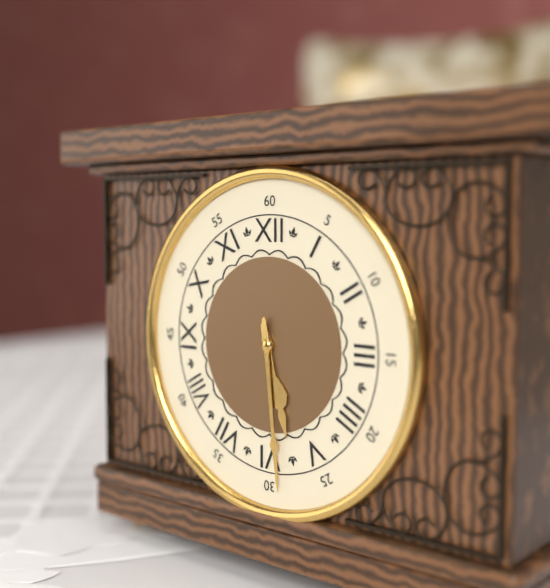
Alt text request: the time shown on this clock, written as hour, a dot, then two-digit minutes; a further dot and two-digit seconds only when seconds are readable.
5.29
